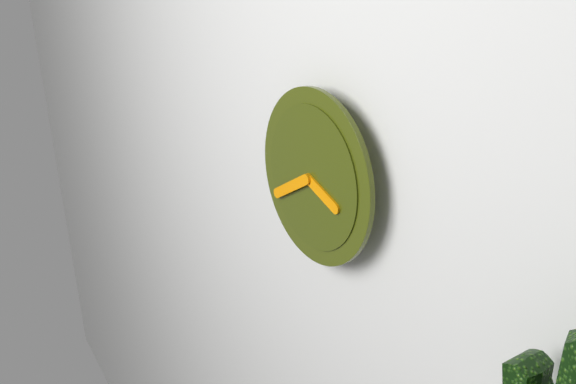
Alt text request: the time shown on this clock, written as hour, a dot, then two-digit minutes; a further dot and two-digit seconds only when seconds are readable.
3.40
